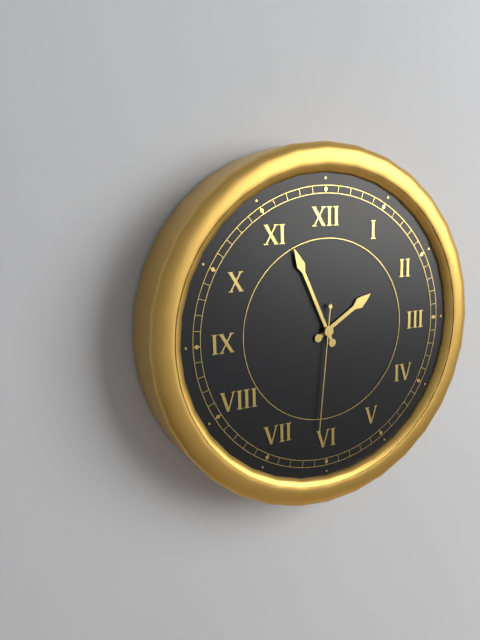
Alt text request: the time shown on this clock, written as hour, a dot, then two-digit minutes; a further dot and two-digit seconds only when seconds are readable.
1.56.31
